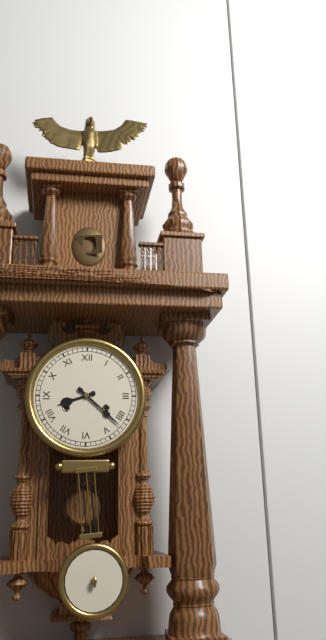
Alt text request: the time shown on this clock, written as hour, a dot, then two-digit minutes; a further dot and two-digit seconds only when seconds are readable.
8.22
